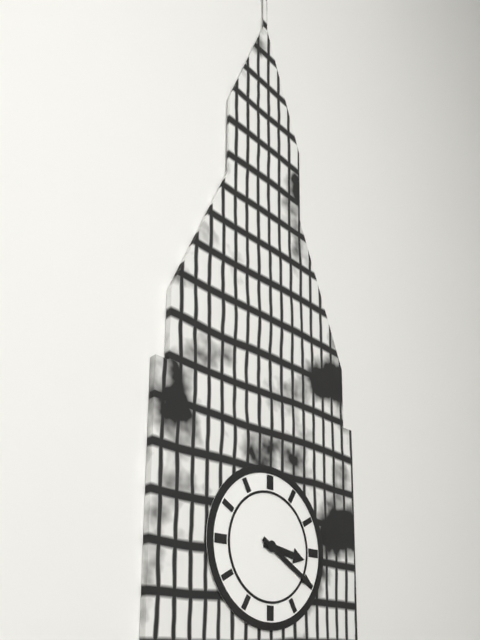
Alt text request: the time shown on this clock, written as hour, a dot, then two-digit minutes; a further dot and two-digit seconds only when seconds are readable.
3.20
